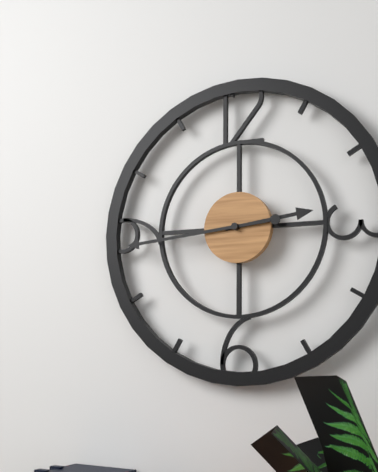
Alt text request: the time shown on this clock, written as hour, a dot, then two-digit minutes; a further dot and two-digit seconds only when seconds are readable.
2.44
